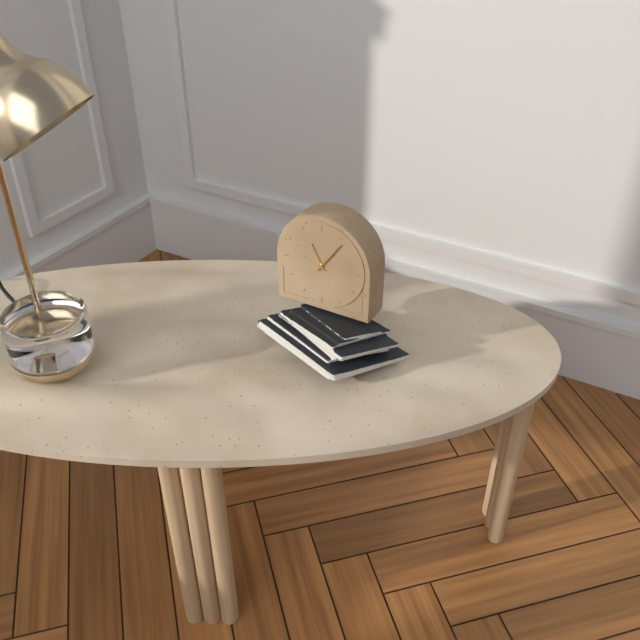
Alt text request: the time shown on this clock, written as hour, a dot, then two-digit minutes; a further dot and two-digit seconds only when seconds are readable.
11.06
